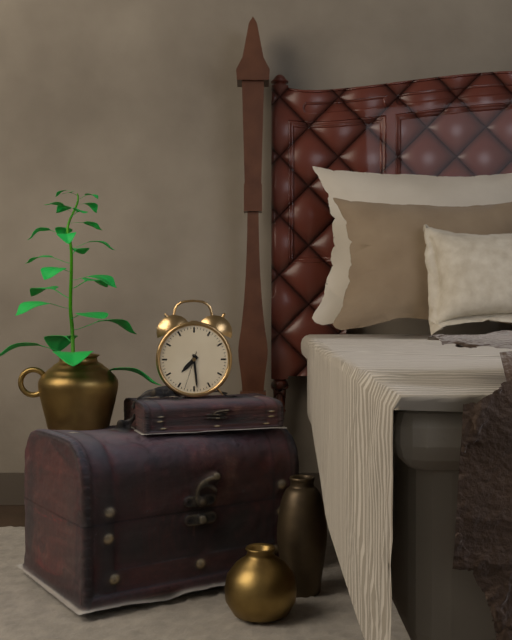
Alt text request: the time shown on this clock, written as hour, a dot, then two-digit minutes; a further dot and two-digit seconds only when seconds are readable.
7.29
